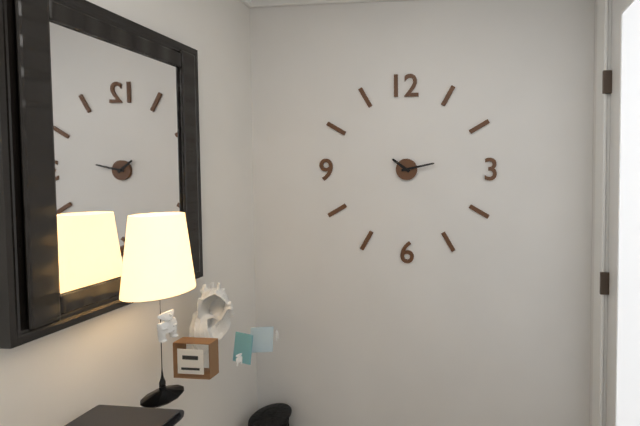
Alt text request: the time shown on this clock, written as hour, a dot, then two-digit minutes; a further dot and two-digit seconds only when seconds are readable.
10.13
